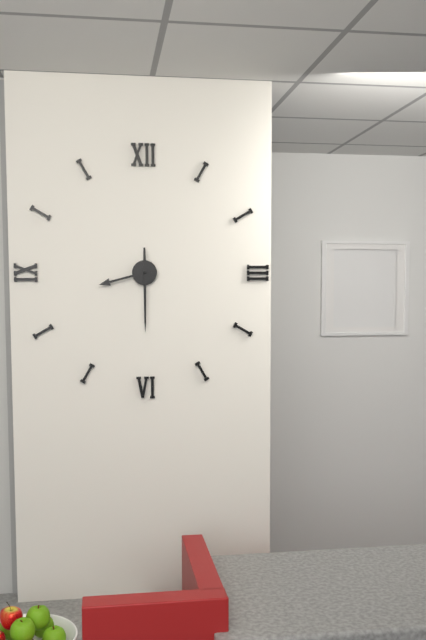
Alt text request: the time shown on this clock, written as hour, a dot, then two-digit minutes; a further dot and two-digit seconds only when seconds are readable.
8.30
